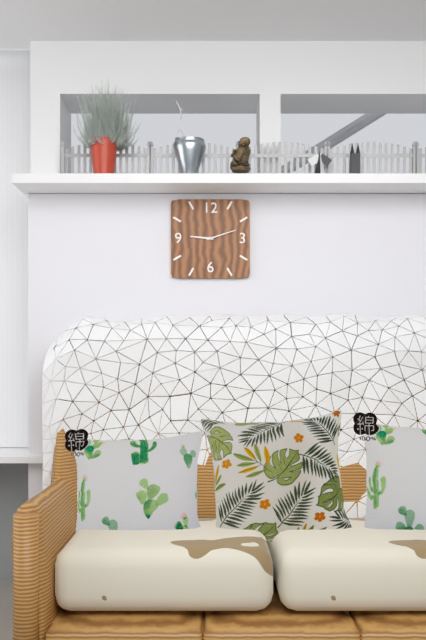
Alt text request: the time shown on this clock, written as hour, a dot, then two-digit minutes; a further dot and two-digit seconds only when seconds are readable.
9.12
